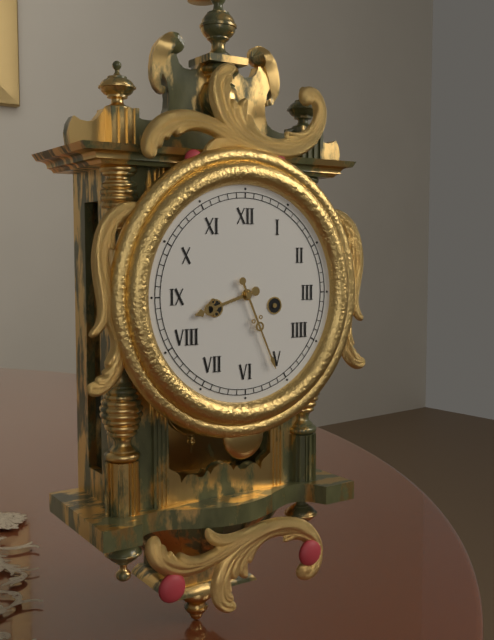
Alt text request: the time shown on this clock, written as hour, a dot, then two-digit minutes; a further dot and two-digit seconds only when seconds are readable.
8.26
